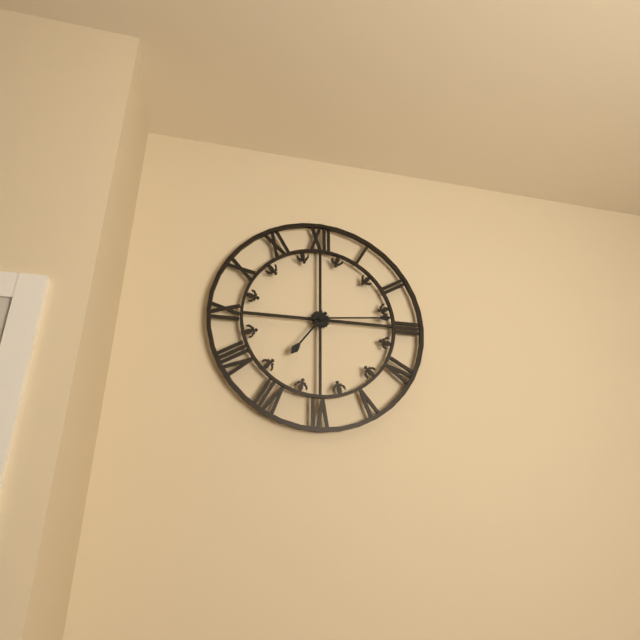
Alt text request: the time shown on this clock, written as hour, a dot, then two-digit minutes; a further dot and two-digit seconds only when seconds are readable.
7.14
